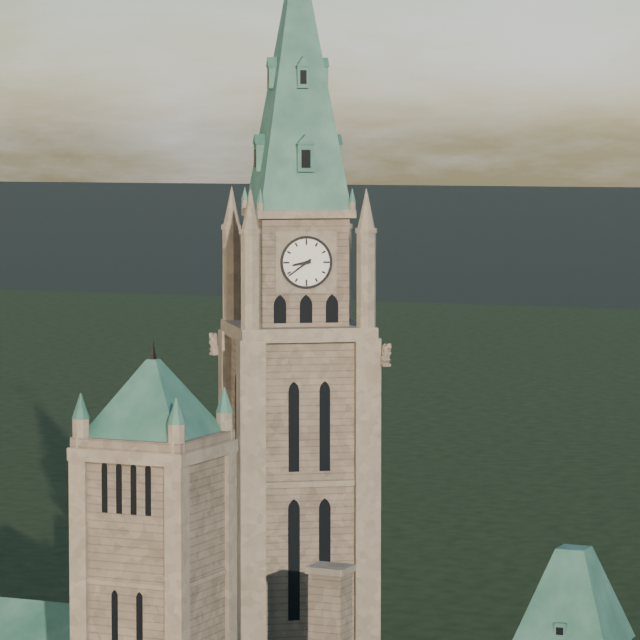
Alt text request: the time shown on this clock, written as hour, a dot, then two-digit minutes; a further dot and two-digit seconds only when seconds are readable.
8.39
